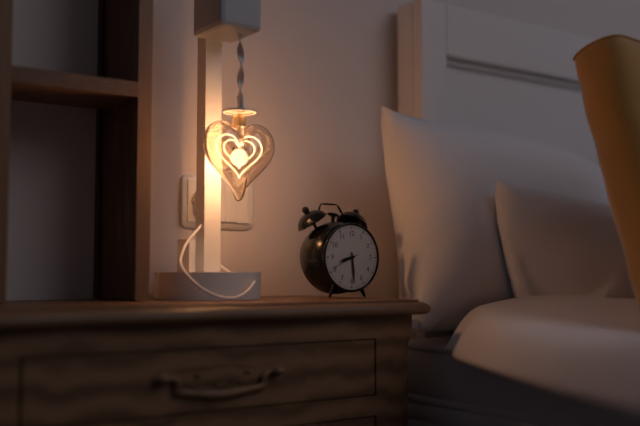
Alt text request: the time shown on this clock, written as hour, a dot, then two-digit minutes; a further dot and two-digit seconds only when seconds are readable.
8.29
